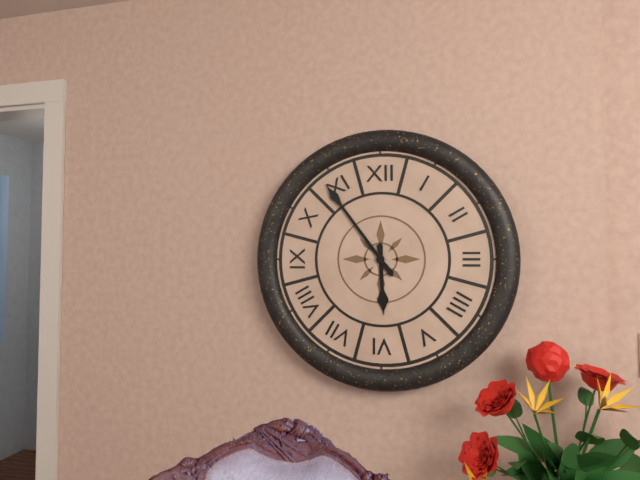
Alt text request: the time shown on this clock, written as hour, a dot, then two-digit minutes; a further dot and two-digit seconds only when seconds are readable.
5.54
